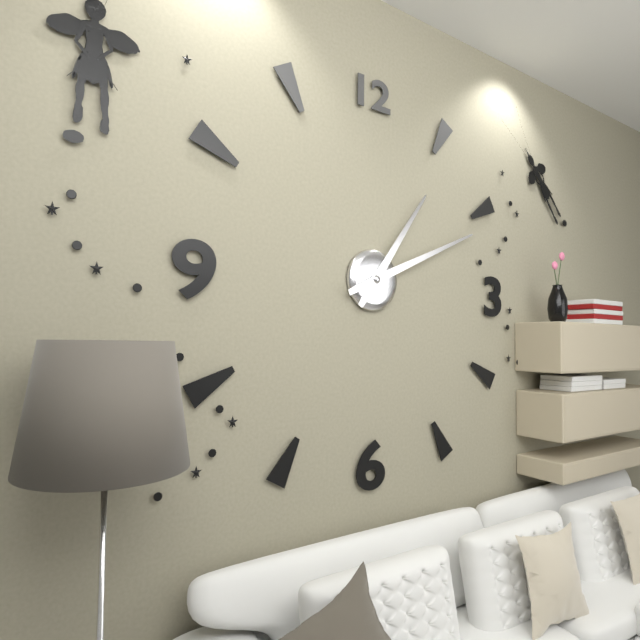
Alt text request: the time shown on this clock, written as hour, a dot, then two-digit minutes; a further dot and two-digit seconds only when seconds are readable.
1.11
